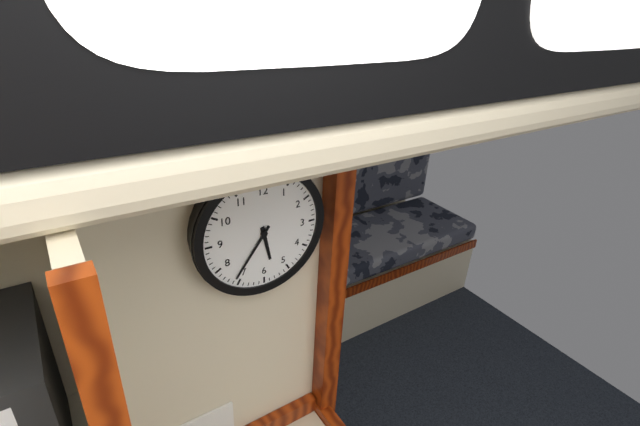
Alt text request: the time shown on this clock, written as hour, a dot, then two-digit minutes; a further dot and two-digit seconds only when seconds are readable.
5.36
